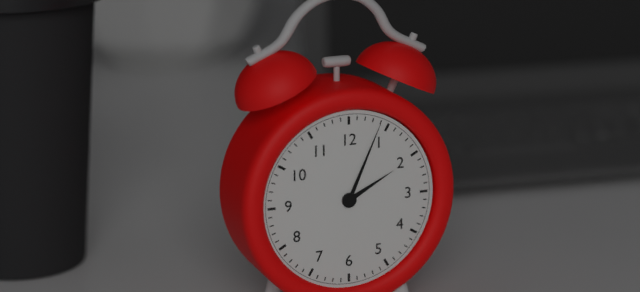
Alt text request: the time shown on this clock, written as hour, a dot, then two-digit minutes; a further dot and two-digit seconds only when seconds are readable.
2.04
